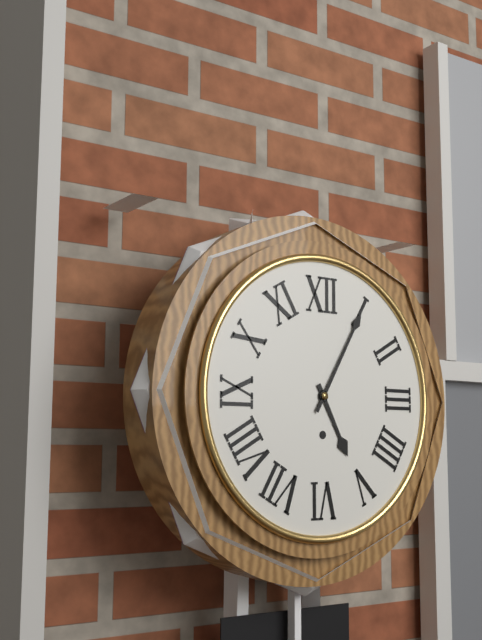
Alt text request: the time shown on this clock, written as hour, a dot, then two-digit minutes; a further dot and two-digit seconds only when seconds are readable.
5.05
